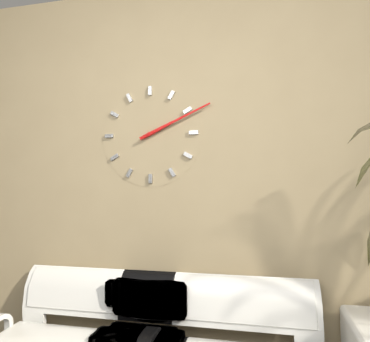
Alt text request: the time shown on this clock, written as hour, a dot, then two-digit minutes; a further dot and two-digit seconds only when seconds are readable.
2.11
